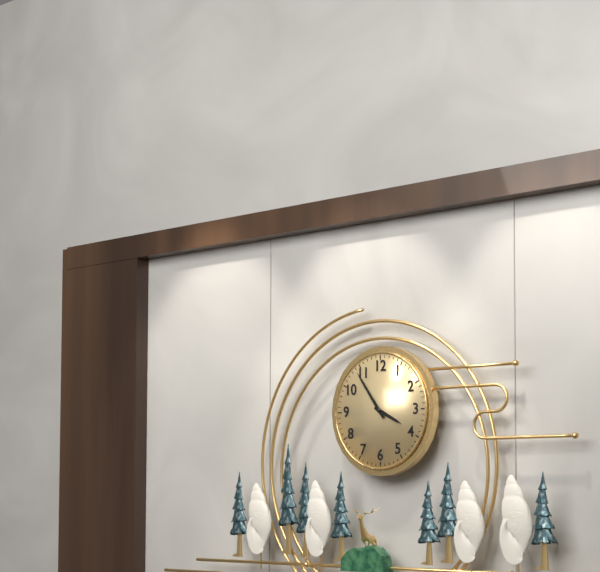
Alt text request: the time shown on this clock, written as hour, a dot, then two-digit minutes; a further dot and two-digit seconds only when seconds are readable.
3.54
